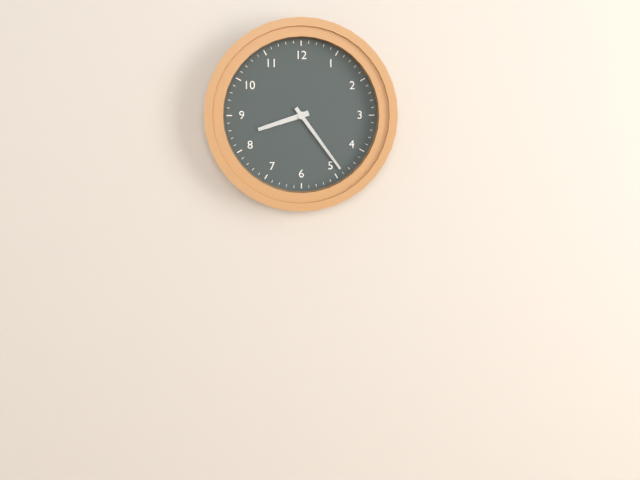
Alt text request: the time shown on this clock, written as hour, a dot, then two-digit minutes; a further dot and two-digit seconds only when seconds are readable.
8.24
